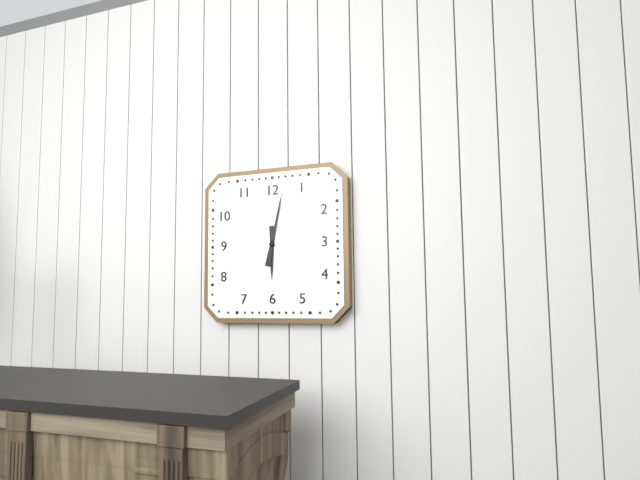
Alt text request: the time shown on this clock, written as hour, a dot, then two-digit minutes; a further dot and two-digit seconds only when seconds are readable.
6.02
